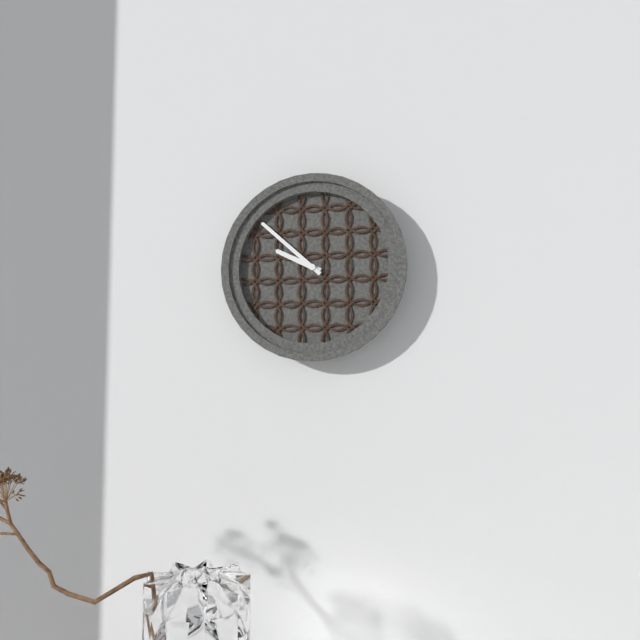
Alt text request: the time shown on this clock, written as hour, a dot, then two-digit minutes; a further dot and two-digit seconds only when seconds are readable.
9.52
